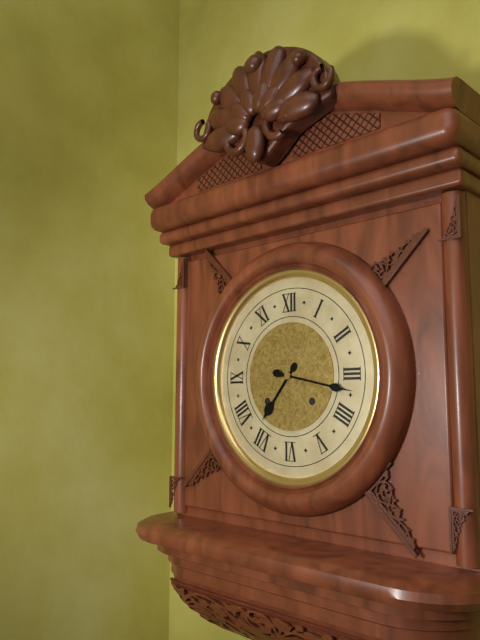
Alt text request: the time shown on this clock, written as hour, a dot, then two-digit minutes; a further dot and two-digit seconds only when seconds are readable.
7.17
